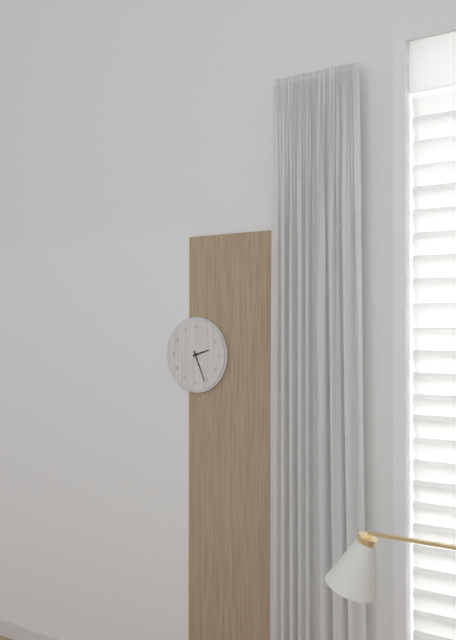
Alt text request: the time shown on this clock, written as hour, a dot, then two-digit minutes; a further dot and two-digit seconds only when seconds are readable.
2.26
